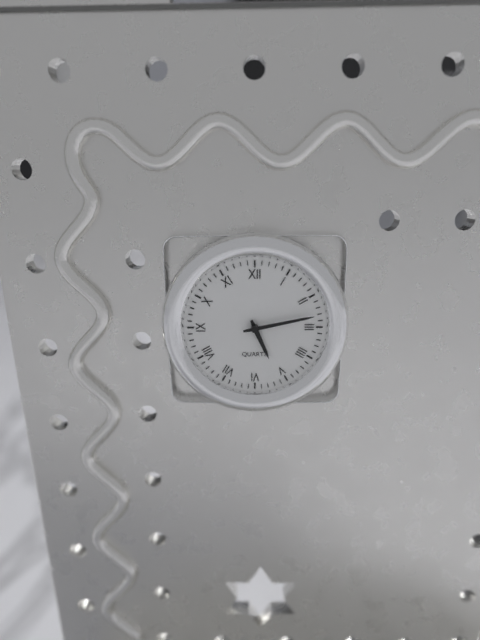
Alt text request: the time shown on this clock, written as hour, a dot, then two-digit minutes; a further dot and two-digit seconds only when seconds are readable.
5.13
